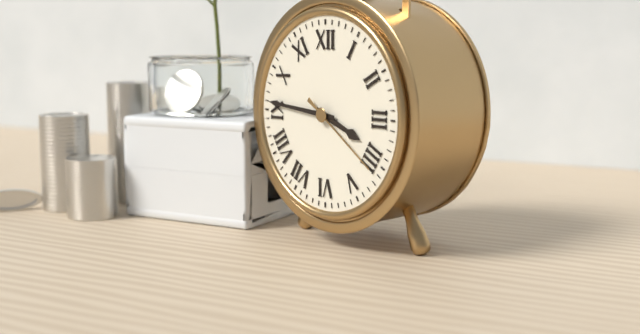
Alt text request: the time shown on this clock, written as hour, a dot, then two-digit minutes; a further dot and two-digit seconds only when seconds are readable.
3.46.21
